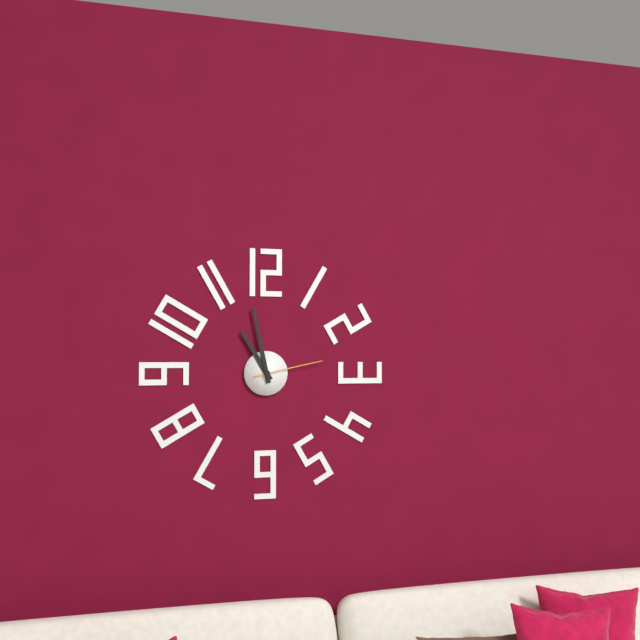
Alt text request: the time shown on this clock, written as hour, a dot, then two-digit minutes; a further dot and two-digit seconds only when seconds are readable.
10.58.13
